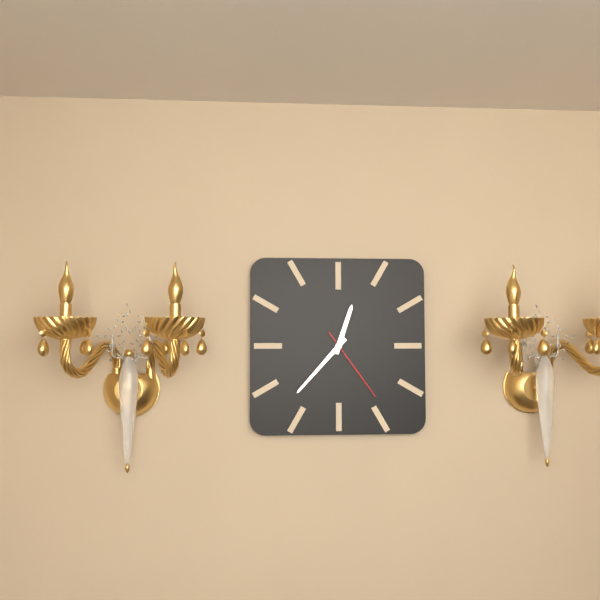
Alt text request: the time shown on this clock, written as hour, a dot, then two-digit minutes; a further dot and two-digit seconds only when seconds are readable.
12.37.24
